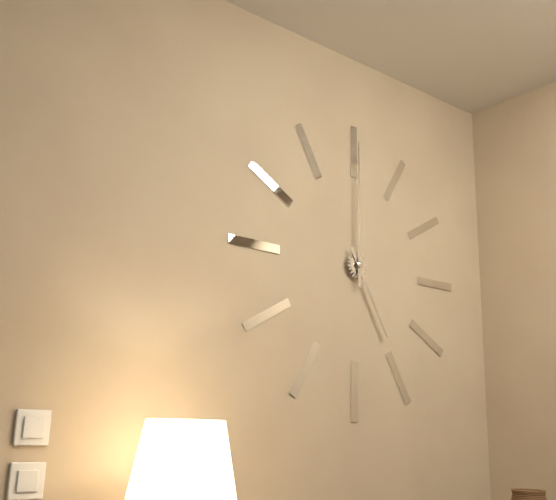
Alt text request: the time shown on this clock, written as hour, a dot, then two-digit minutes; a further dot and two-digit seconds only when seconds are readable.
5.00
